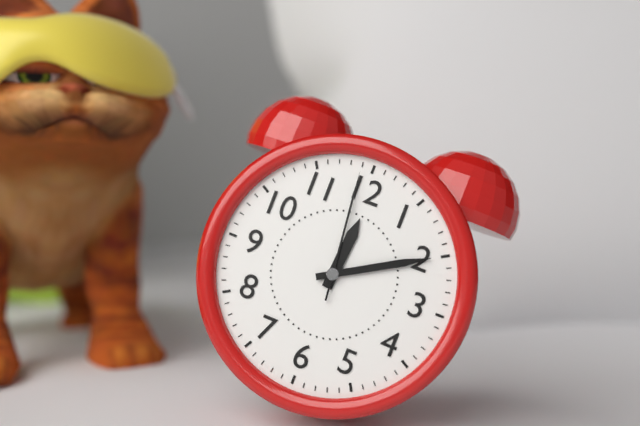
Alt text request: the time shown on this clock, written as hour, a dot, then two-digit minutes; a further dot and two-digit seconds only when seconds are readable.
12.10.59
